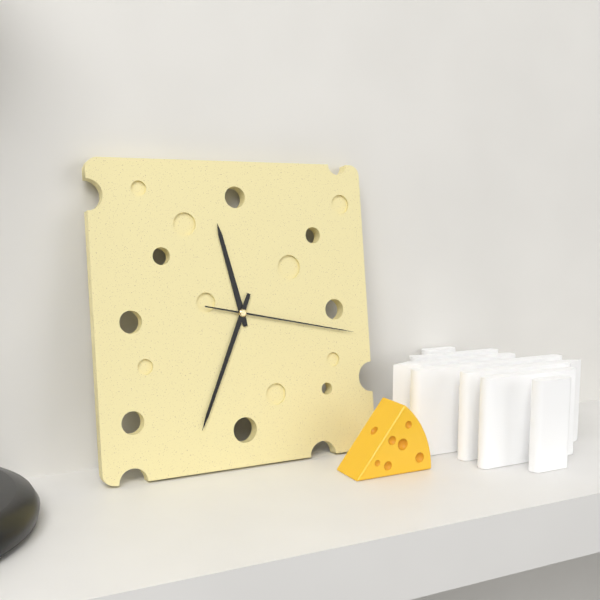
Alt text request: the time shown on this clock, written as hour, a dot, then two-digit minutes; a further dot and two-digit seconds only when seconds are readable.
11.34.17
